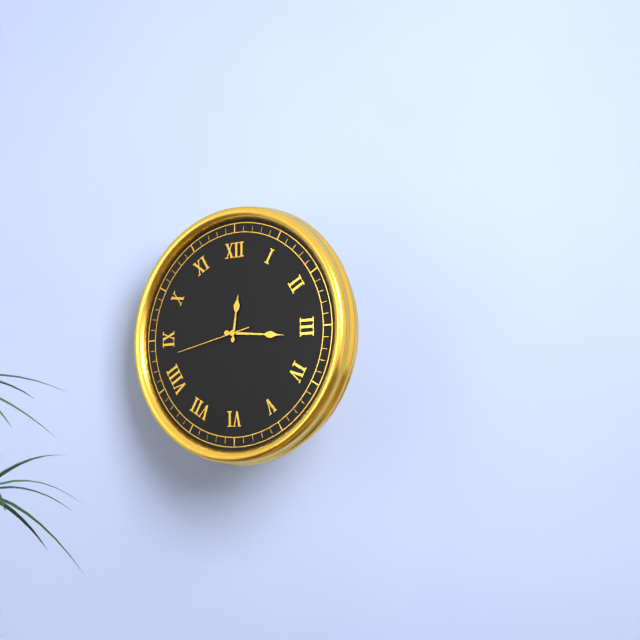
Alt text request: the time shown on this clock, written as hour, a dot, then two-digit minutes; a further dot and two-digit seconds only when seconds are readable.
12.16.43
